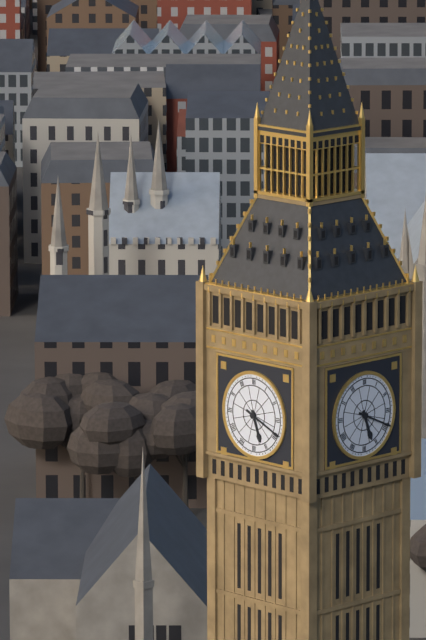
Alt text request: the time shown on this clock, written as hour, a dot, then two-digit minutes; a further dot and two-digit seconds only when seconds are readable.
5.19
